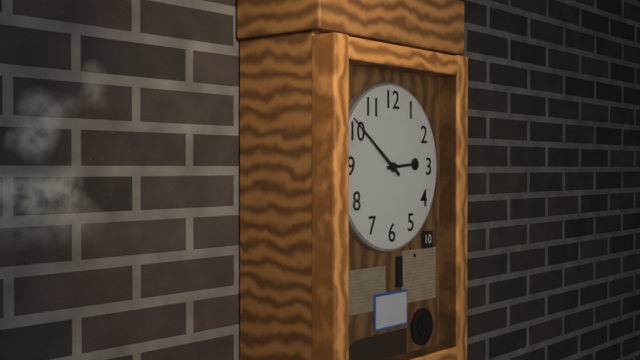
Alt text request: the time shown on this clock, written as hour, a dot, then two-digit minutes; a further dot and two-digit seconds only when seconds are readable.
2.51
